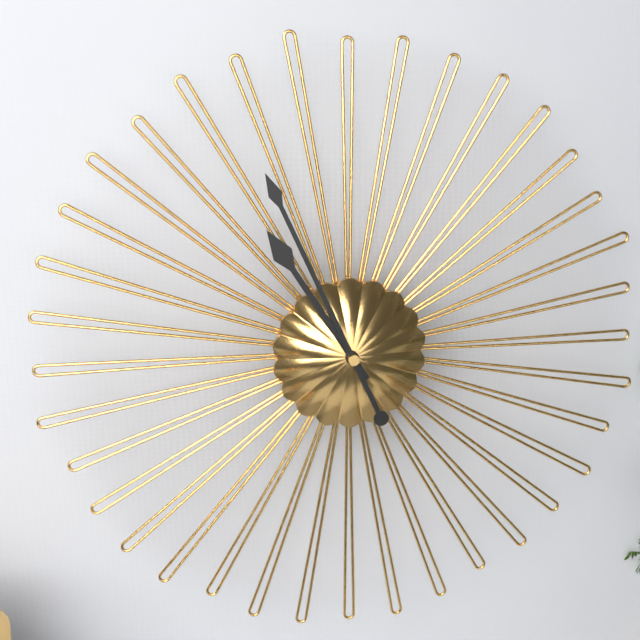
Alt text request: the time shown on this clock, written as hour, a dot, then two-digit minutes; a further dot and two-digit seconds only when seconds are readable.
10.56
